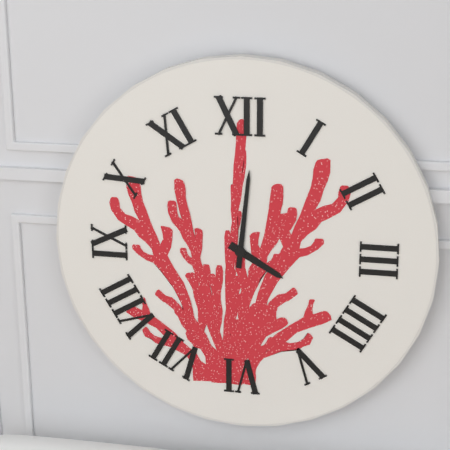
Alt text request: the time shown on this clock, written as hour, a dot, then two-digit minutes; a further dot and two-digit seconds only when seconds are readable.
4.01
